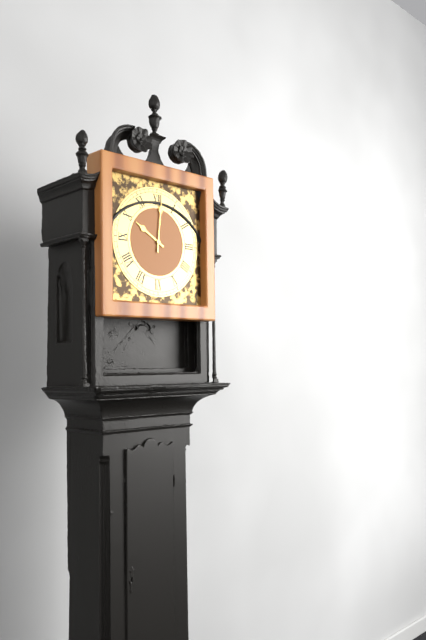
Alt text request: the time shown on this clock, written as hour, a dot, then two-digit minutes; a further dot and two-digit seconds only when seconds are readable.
10.01
